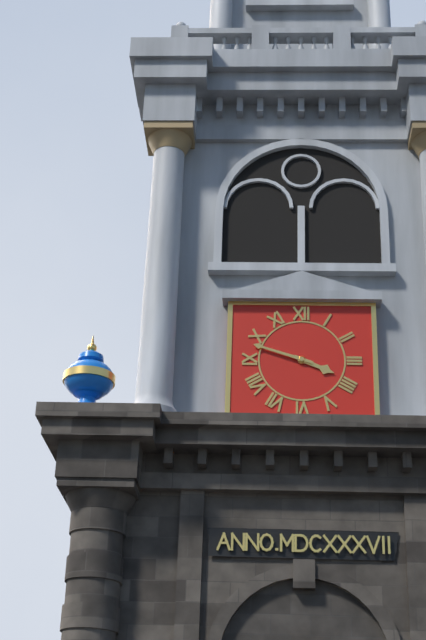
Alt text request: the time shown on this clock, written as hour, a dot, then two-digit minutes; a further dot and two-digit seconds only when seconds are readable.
3.48
